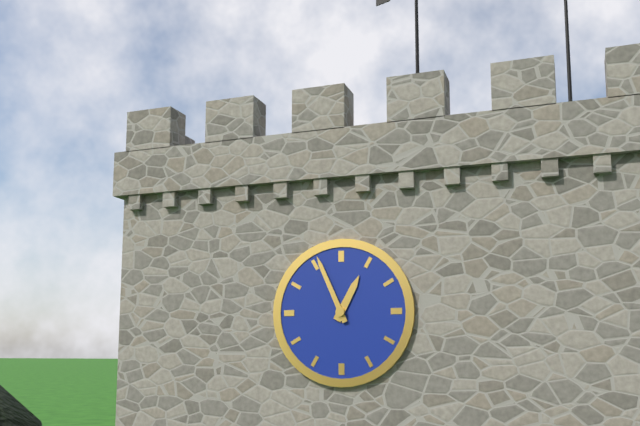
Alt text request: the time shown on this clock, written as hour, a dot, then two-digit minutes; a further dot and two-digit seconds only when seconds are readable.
12.56
